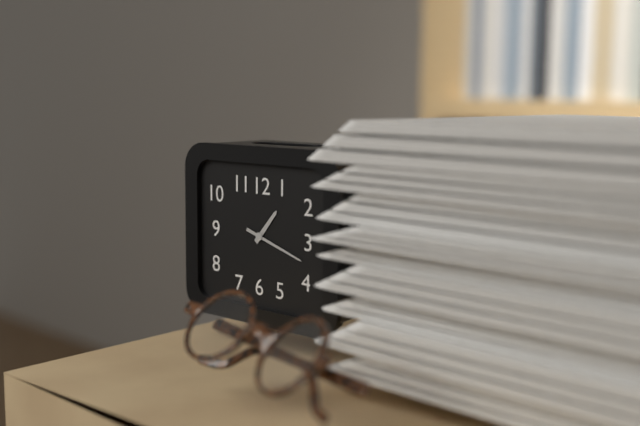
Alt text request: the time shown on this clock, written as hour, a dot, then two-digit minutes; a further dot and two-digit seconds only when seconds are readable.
1.18
